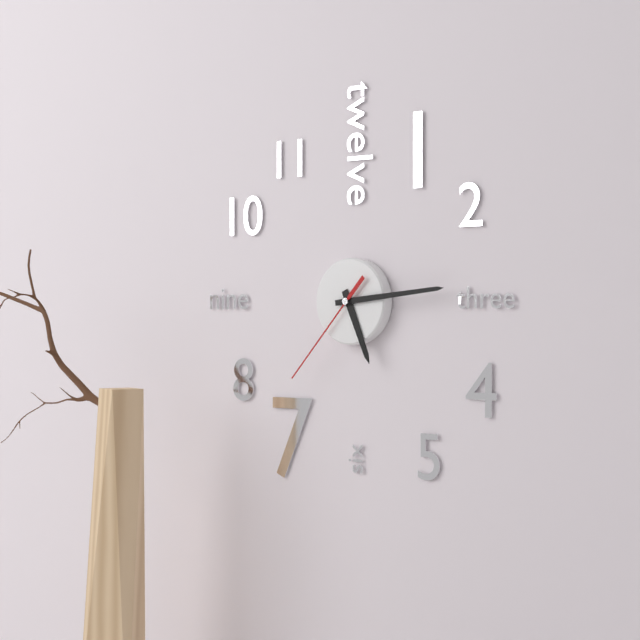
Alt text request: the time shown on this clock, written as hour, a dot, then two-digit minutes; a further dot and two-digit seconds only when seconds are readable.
5.14.37
